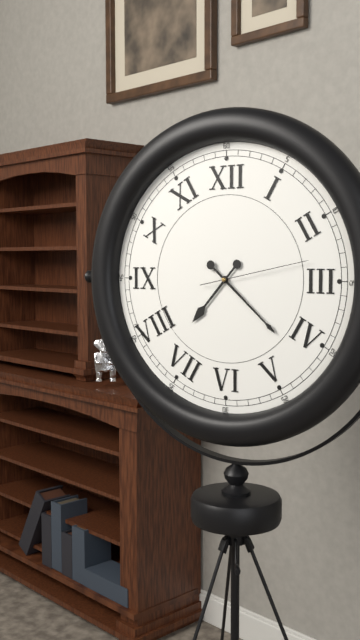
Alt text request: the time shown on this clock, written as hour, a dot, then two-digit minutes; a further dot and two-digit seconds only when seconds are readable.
7.22.13
